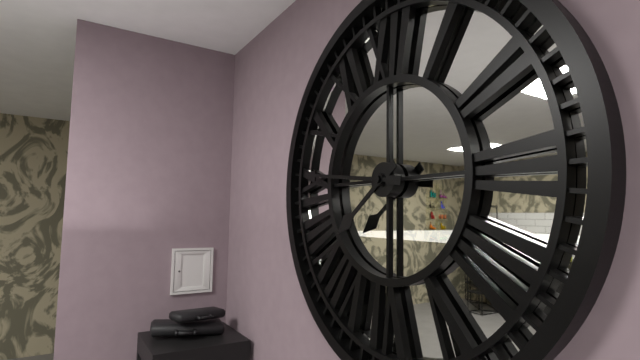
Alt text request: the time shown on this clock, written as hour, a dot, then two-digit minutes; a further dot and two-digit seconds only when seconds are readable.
7.46
